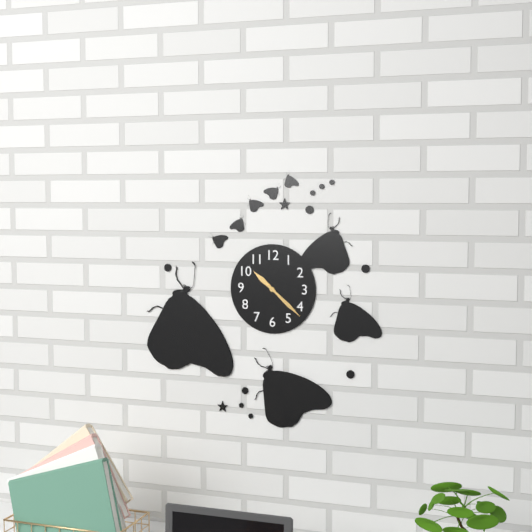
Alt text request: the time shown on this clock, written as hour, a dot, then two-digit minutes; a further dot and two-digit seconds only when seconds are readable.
10.22
